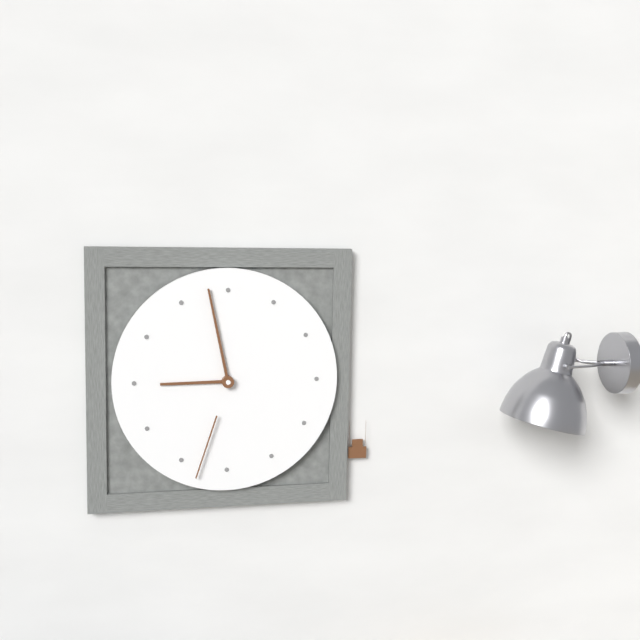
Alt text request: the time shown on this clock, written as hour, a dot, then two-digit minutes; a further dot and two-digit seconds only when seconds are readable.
8.58.33
